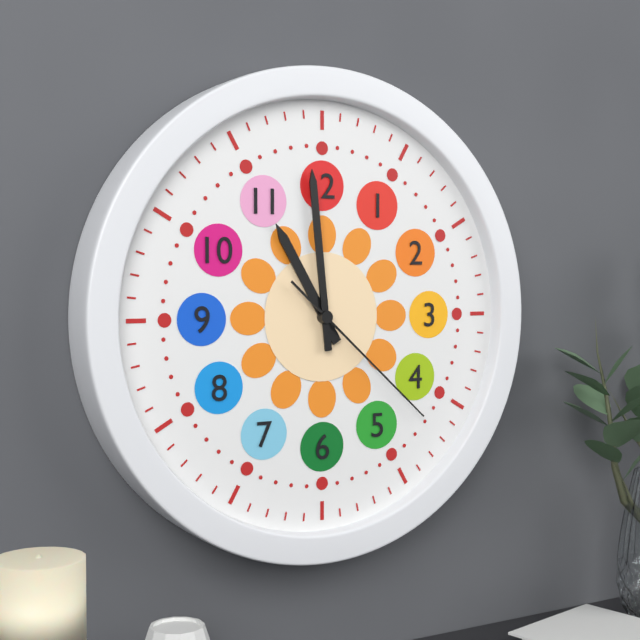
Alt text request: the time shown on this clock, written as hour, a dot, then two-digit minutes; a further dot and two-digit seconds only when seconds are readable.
10.59.22
